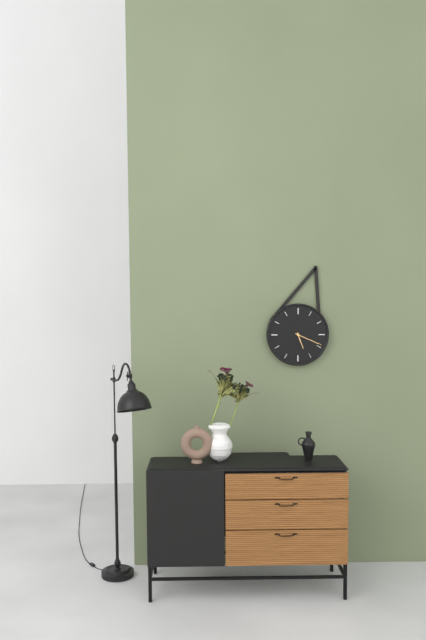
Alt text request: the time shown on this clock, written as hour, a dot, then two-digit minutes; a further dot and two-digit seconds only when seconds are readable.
5.19
